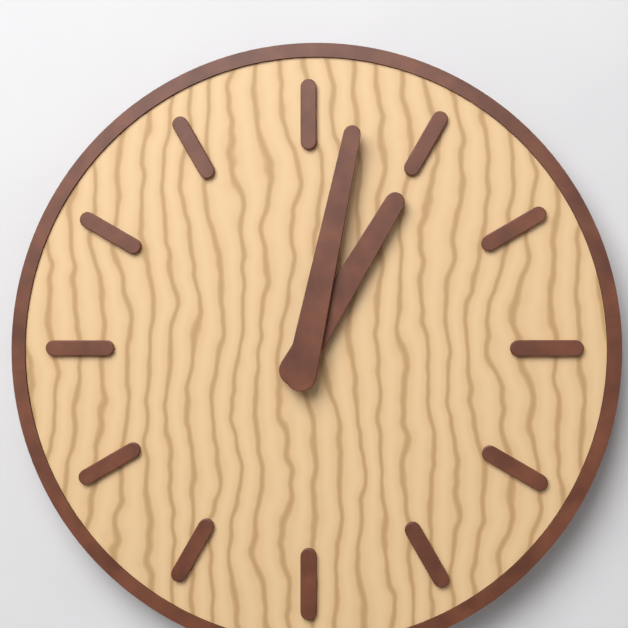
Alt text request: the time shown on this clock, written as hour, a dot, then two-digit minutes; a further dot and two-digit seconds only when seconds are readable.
1.02
